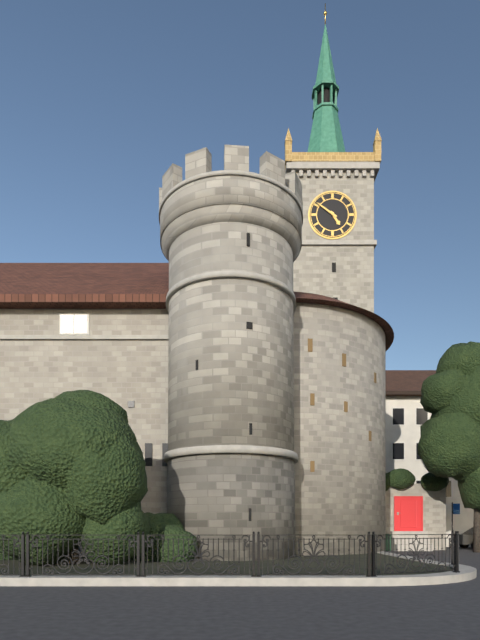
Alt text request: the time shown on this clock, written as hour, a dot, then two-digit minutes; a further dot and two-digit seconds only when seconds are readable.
4.51
